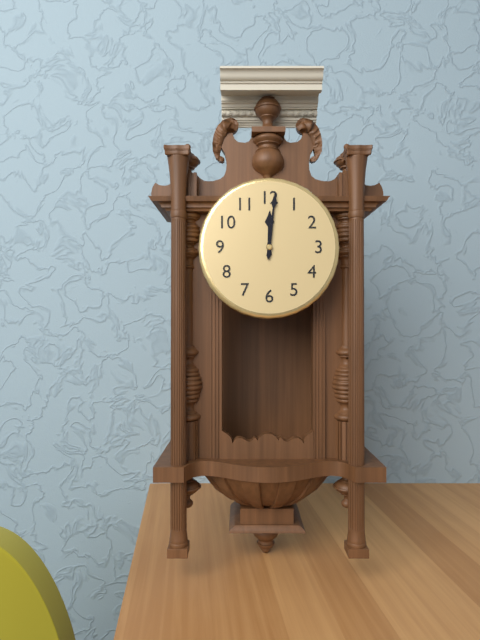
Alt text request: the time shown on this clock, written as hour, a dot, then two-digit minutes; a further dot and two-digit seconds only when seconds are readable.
12.01
